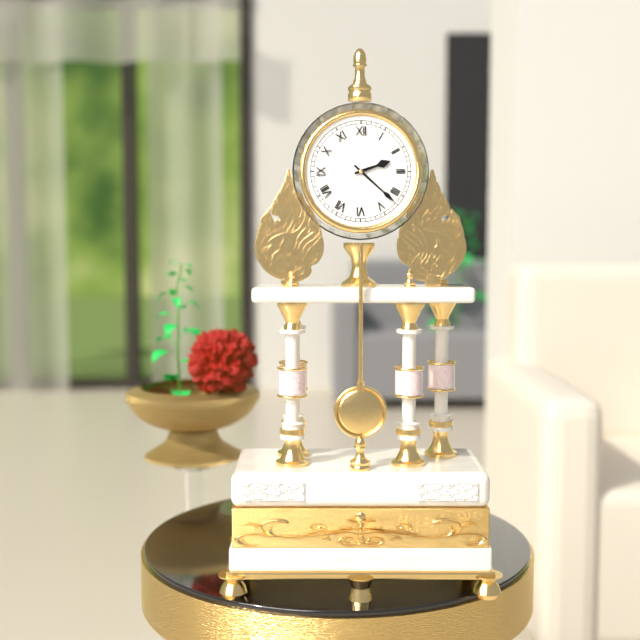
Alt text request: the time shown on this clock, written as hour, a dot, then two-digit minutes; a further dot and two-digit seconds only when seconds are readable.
2.22
